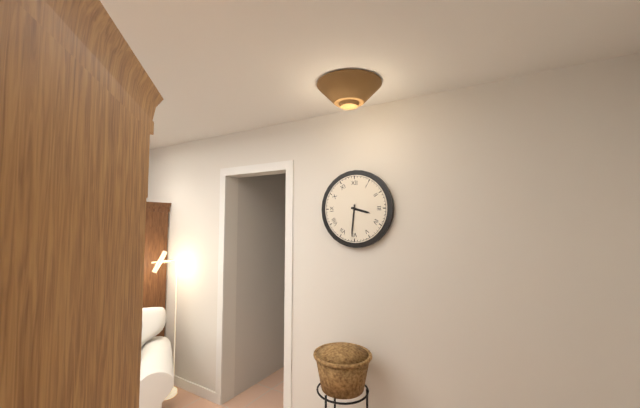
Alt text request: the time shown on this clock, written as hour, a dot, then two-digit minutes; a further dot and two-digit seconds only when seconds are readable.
3.31
